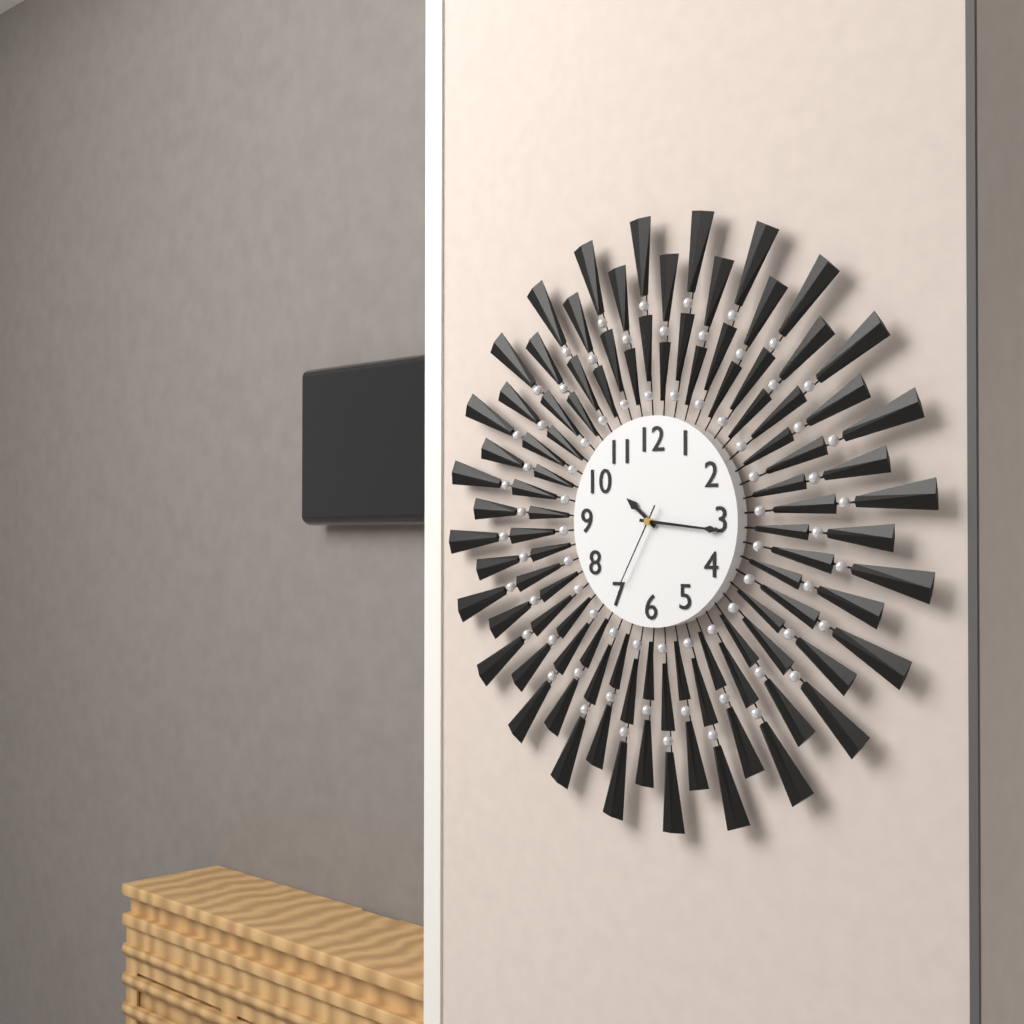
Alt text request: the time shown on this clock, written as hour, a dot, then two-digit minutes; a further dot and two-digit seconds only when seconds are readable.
10.16.35
